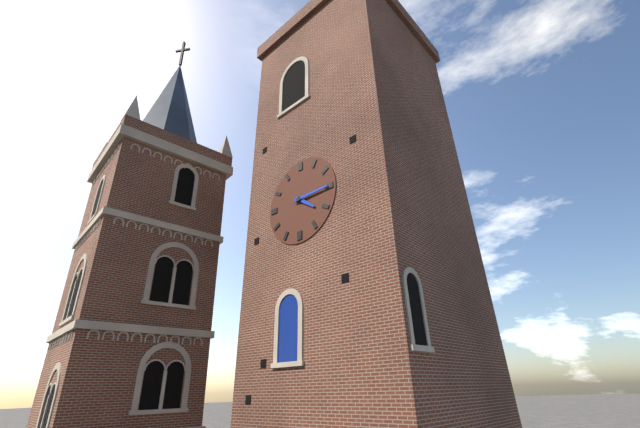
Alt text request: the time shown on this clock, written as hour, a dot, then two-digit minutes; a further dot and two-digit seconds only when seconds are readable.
4.15
